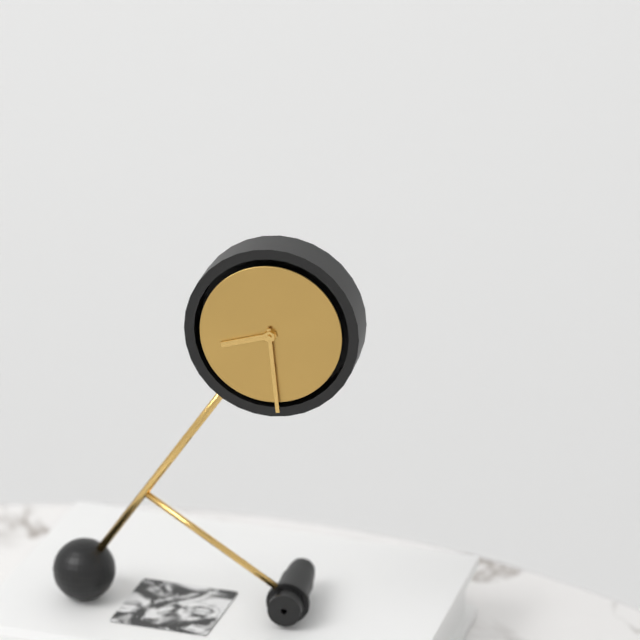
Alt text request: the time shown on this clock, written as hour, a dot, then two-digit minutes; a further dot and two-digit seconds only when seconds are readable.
8.29
